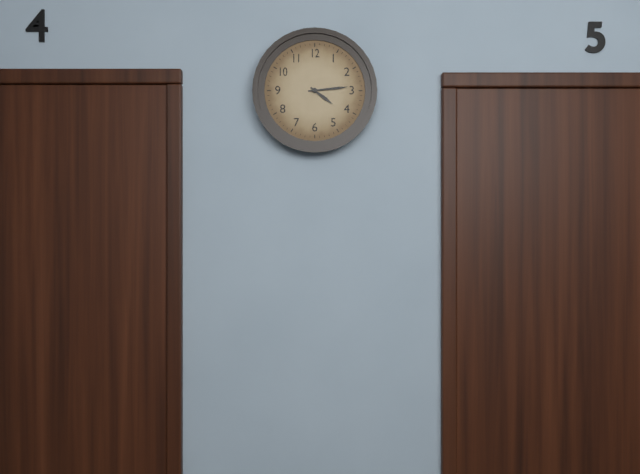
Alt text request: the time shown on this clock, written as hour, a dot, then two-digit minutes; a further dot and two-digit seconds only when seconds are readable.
4.14
